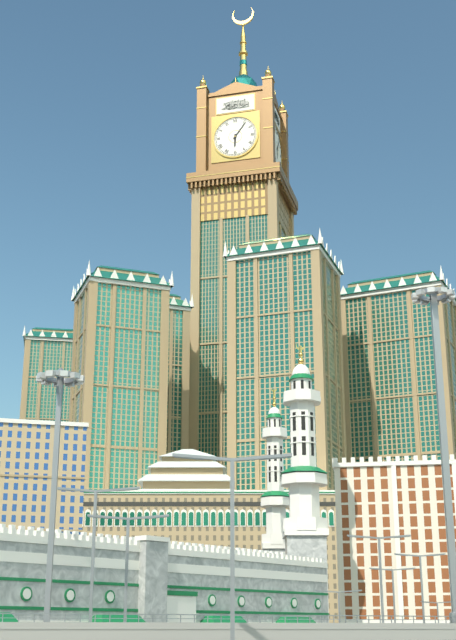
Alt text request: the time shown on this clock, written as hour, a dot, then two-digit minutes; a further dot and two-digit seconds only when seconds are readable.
6.06
